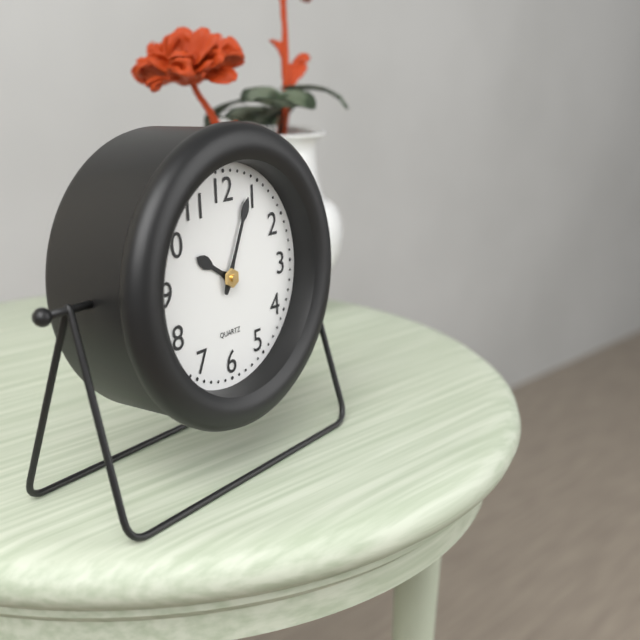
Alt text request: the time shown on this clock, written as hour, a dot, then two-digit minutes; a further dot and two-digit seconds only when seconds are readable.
10.04
